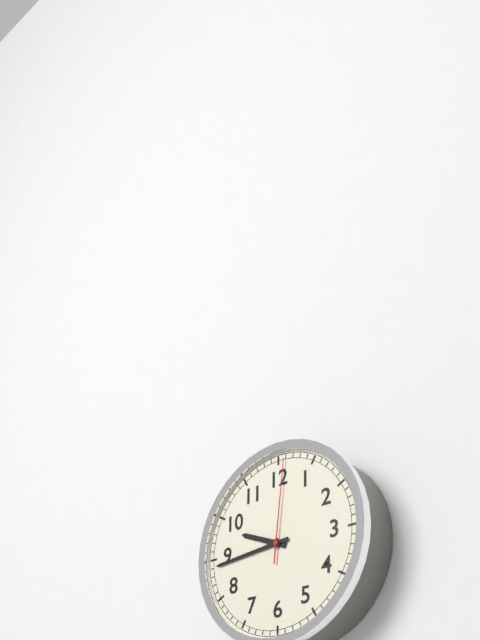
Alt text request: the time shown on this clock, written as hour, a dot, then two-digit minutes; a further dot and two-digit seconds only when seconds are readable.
9.44.01
